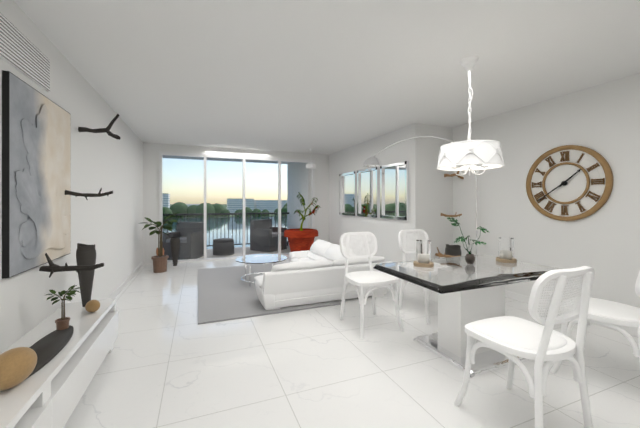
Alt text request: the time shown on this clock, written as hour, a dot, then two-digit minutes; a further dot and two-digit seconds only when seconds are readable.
1.39
